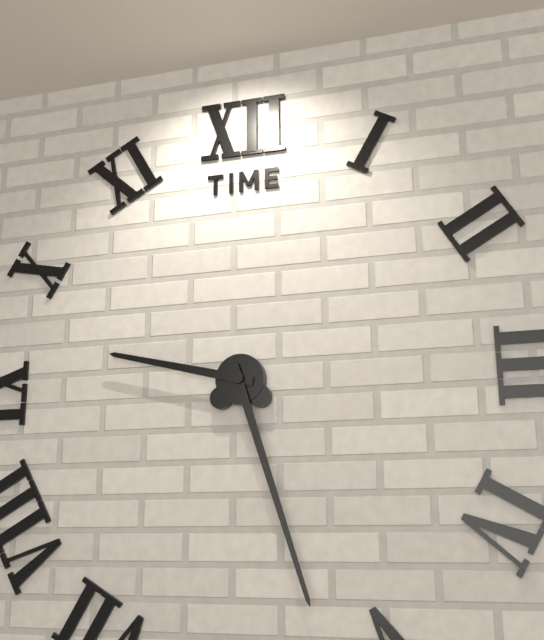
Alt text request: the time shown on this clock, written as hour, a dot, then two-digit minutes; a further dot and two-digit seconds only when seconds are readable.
9.27
